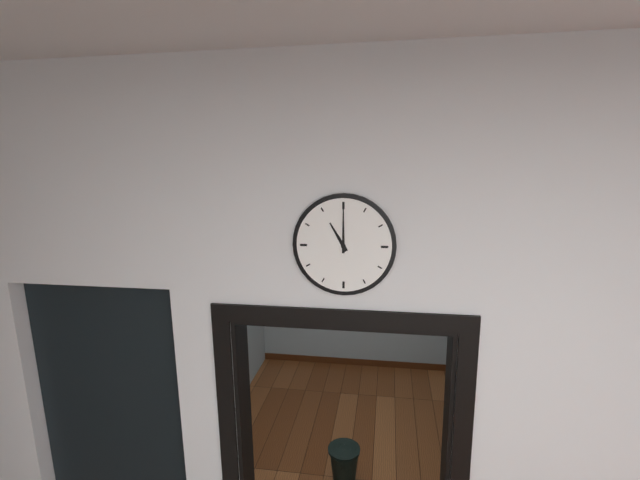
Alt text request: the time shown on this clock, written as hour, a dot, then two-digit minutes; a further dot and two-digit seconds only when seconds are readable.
11.00
